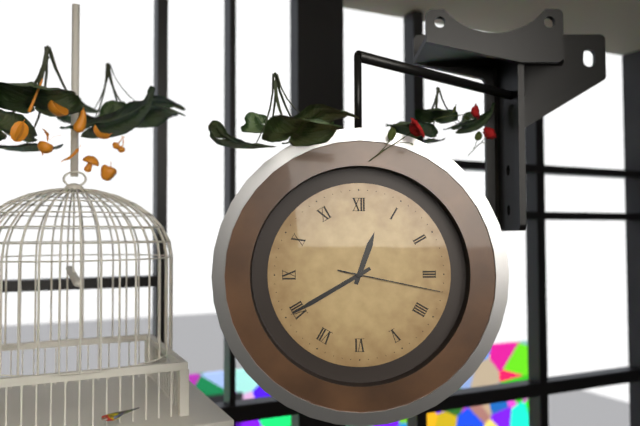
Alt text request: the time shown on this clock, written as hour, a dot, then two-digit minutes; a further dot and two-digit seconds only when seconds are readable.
12.40.17
